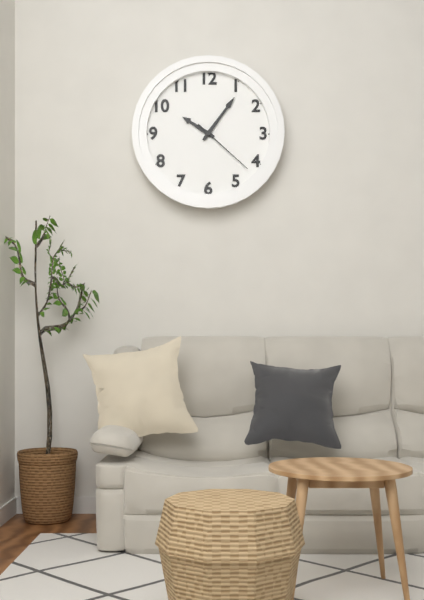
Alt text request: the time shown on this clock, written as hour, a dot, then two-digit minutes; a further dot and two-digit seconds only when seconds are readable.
10.06.22
